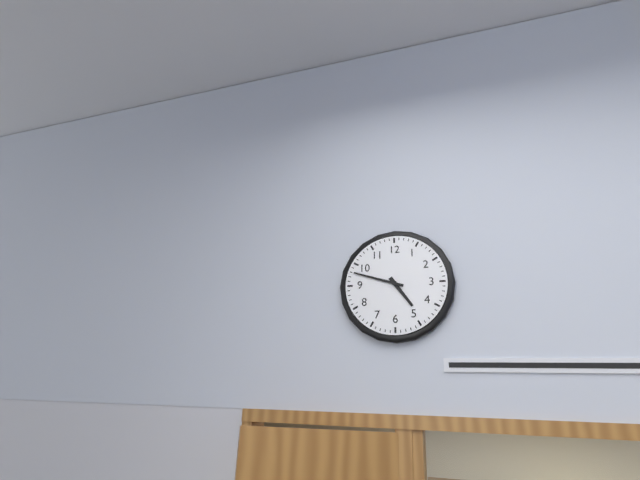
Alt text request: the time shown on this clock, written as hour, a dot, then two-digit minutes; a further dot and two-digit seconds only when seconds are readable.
4.48
